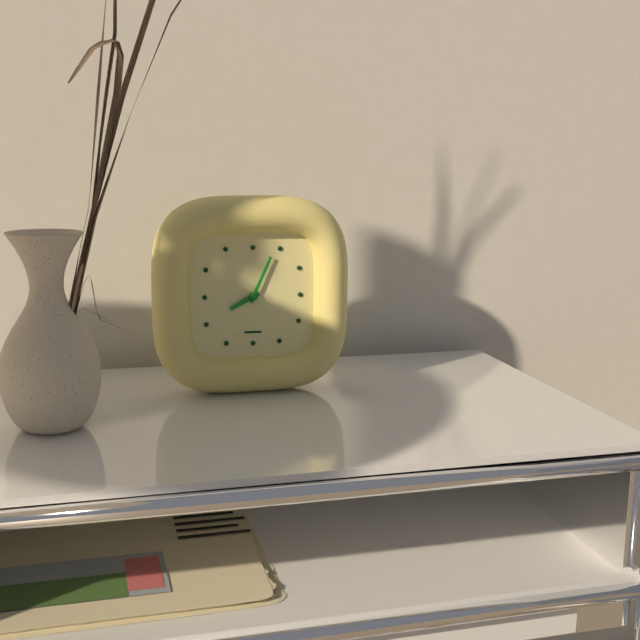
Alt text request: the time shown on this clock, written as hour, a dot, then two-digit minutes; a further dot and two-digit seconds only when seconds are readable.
8.04
